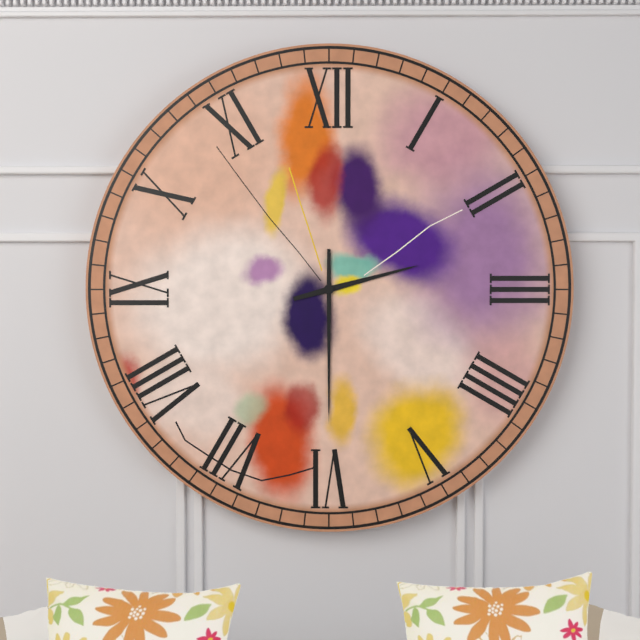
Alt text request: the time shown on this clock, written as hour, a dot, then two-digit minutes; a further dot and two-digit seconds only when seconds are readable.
2.30
